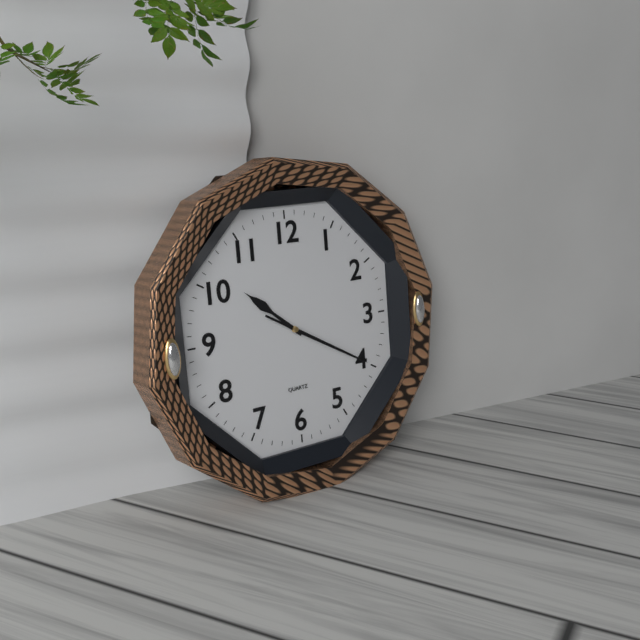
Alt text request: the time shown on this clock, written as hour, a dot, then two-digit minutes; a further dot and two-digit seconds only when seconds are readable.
10.20
